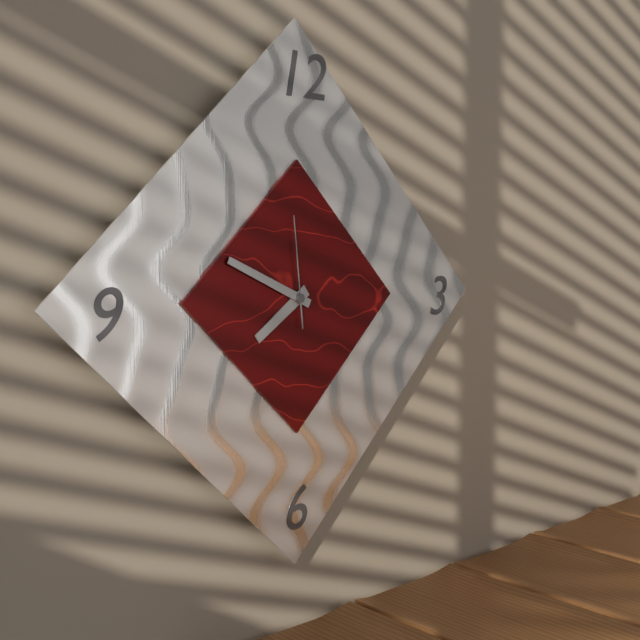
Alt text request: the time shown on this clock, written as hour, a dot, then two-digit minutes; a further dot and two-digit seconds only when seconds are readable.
7.49.59
